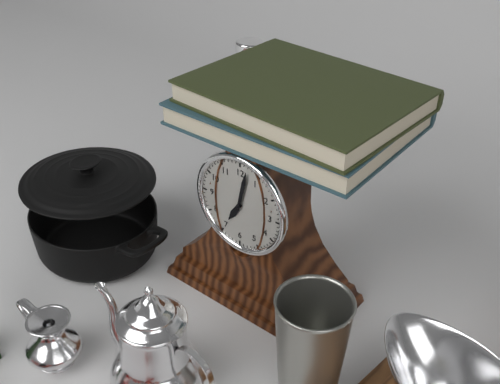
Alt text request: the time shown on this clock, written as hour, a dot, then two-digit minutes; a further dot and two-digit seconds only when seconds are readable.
7.02
